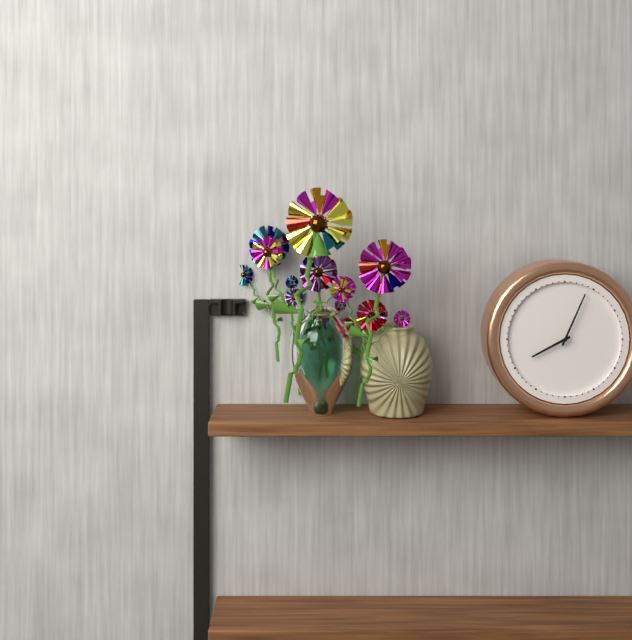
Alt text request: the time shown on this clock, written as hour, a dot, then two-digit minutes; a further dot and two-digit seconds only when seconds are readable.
8.04
